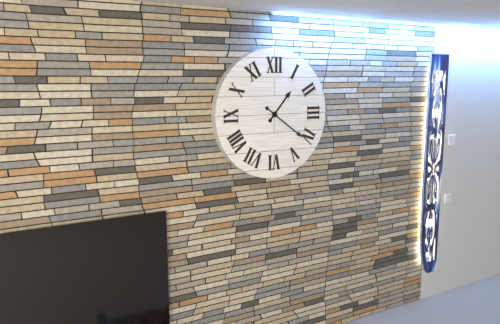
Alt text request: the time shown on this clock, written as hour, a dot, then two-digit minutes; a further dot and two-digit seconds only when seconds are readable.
1.21
